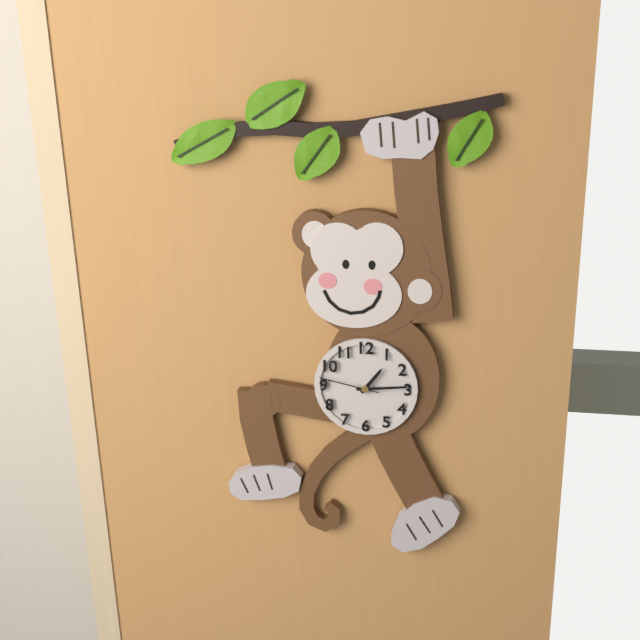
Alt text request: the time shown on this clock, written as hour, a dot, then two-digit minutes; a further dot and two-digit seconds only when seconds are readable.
1.14.47
